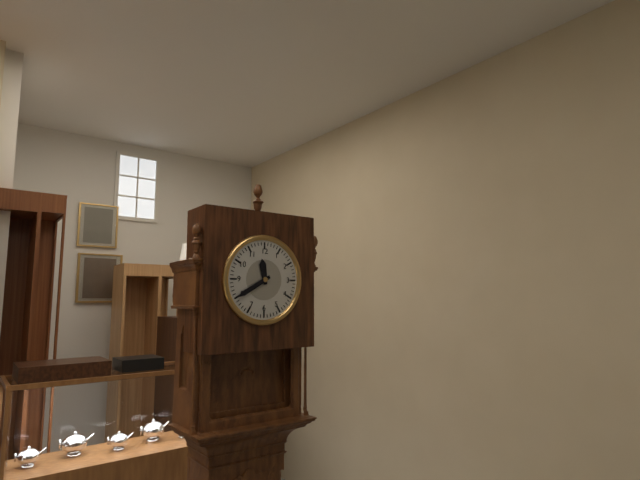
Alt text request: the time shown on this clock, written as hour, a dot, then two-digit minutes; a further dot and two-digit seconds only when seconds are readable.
11.40
